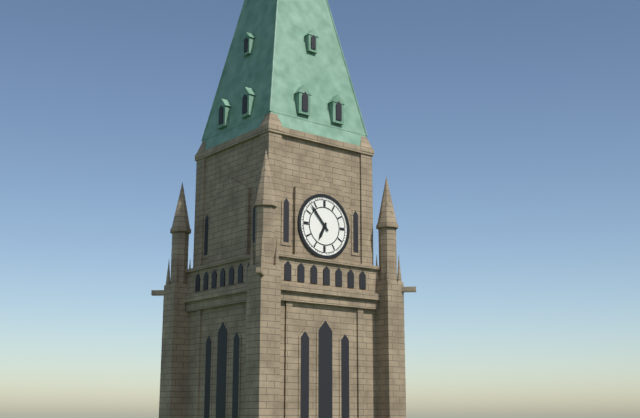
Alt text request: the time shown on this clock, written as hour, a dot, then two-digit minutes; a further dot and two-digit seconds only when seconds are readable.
6.53
